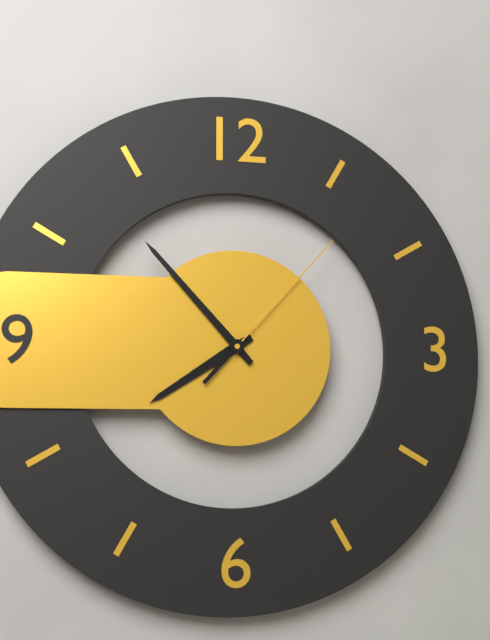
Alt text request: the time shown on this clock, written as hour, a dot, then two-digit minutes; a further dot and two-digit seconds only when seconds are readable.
7.53.07
